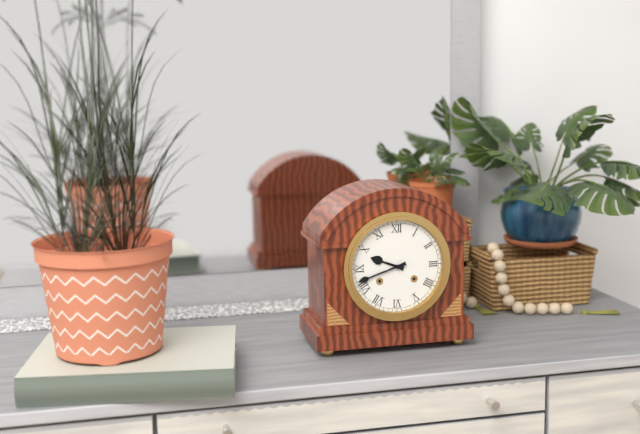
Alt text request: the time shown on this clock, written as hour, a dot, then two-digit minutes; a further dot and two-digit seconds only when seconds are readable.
9.42
